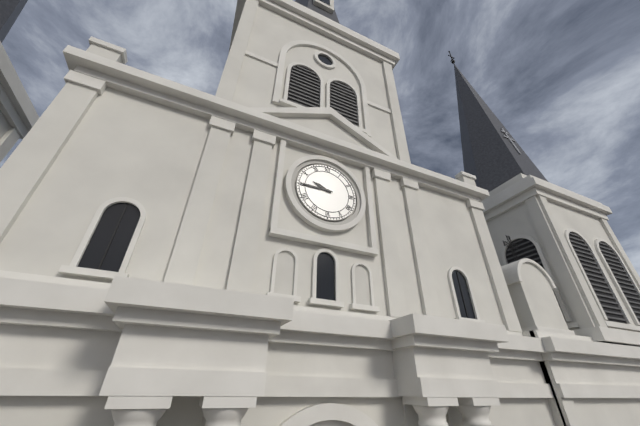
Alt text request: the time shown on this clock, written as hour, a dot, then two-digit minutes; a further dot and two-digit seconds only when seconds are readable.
9.45
